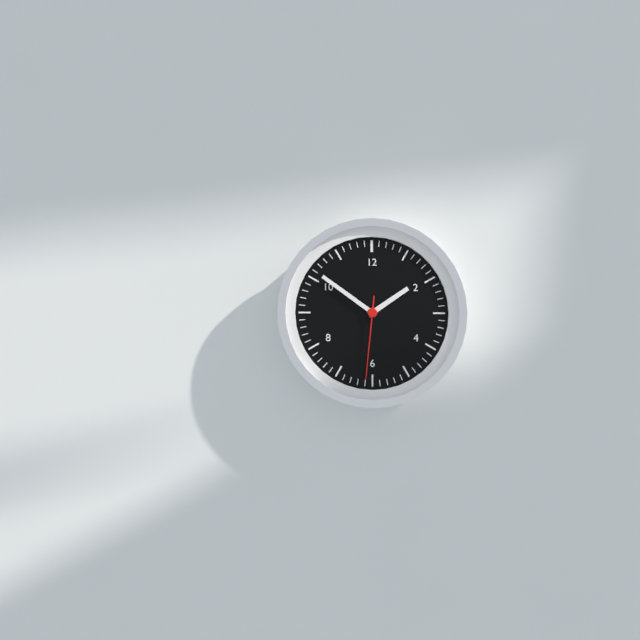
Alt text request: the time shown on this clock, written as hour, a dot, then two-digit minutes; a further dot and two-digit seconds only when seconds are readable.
1.51.31
